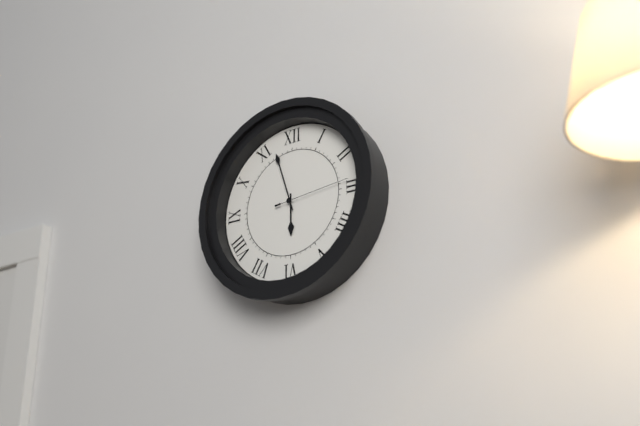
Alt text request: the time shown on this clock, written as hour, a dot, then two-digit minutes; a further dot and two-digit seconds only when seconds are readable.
5.57.14
